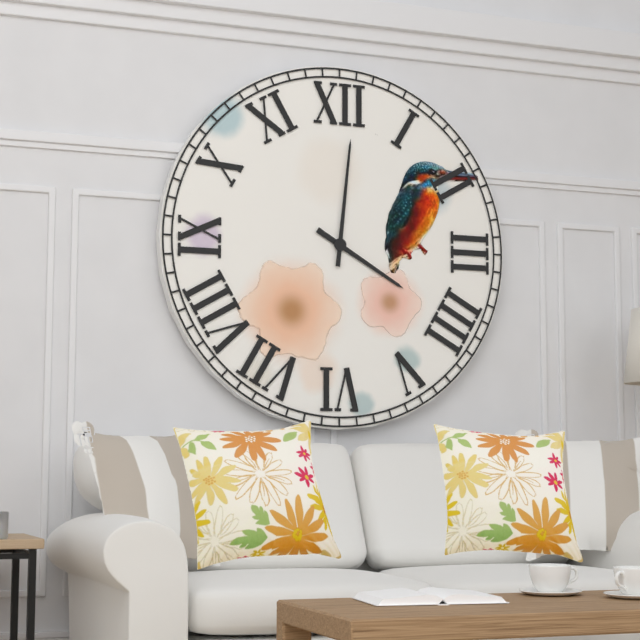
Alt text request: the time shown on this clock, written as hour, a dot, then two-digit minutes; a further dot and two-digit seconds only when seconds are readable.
4.01
